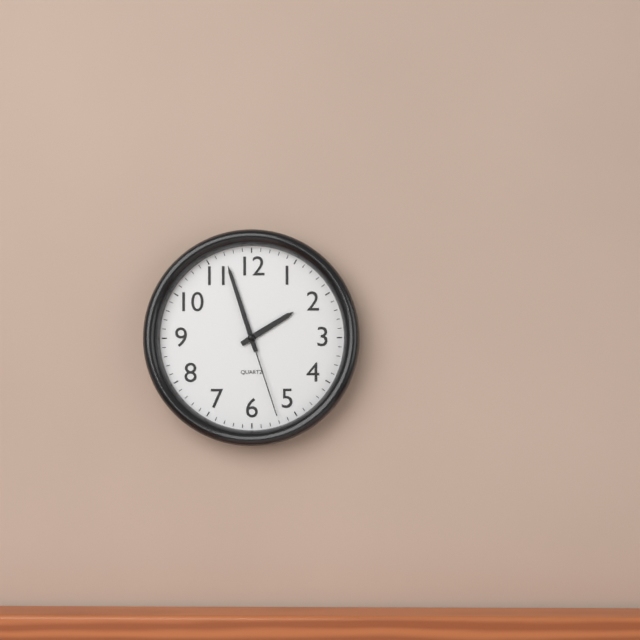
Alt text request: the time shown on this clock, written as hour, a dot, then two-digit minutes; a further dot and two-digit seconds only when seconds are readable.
1.57.27
